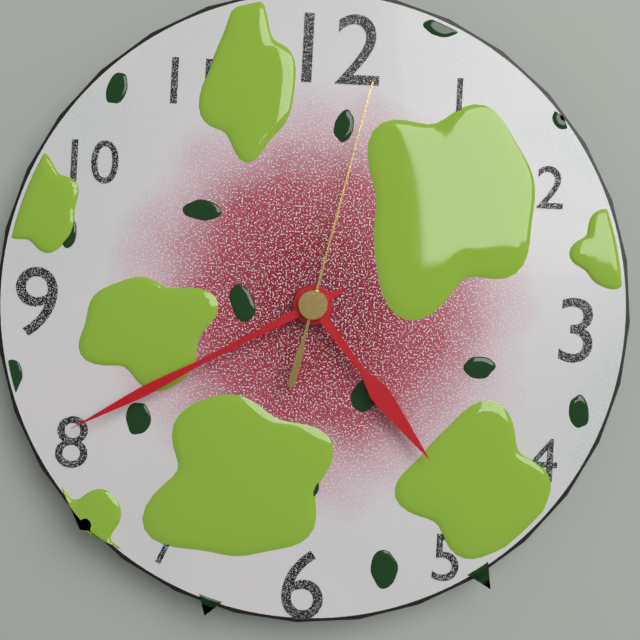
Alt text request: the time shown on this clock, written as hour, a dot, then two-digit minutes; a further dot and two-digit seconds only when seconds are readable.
4.40.02
